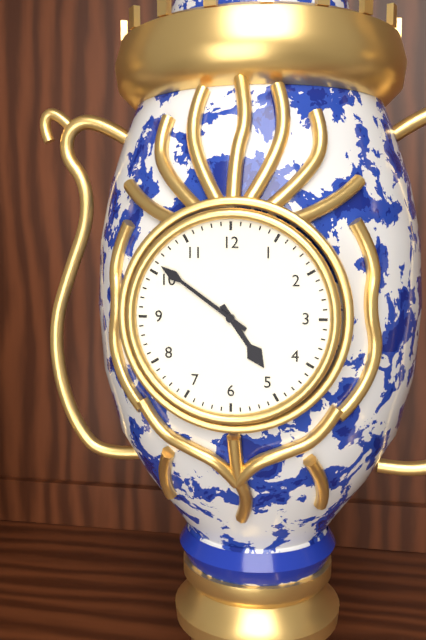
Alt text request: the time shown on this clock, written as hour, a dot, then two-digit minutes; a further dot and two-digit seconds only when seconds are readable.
4.51
